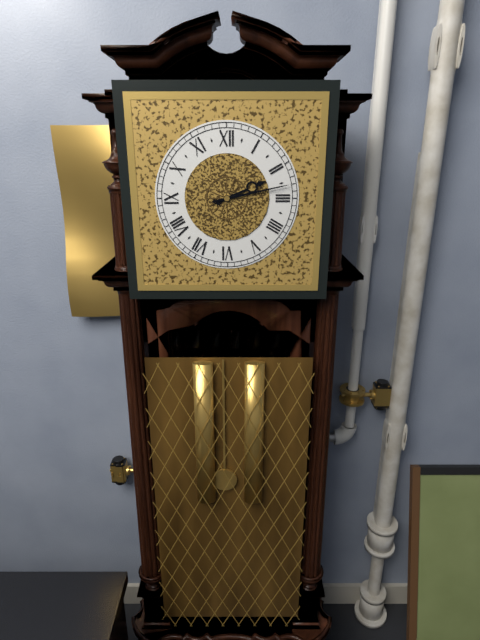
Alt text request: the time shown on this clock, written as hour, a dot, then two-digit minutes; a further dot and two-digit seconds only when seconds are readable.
2.13
